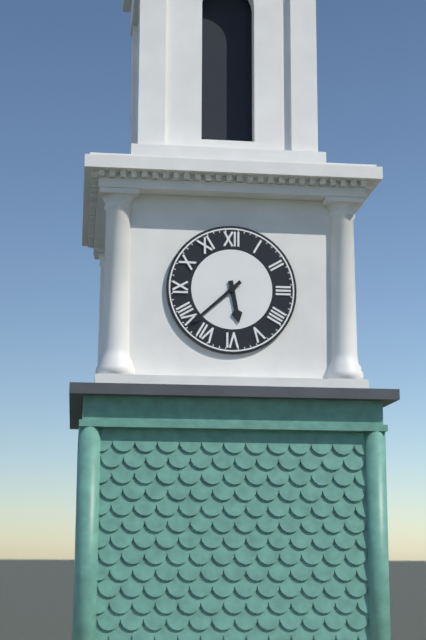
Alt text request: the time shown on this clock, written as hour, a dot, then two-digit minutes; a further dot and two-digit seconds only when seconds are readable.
5.38
